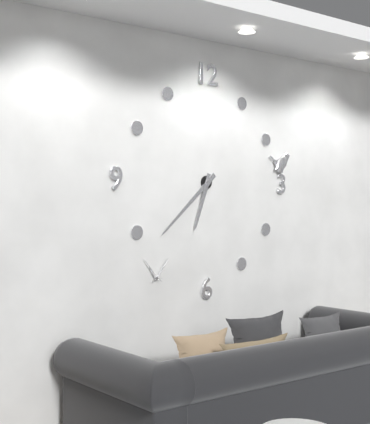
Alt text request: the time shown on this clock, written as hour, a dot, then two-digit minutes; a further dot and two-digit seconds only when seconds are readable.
6.38
